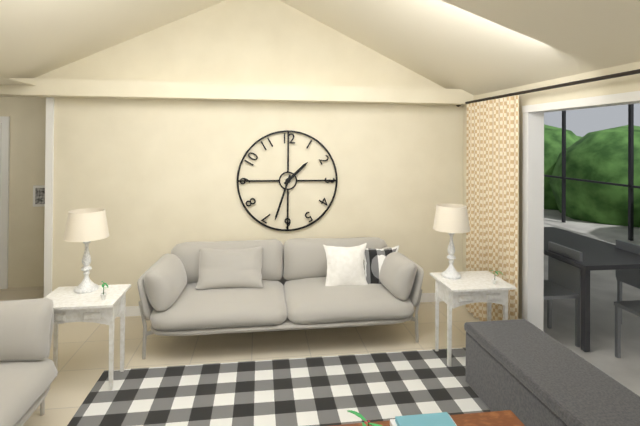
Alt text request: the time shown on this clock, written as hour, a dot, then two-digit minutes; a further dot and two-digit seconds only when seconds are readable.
1.33
